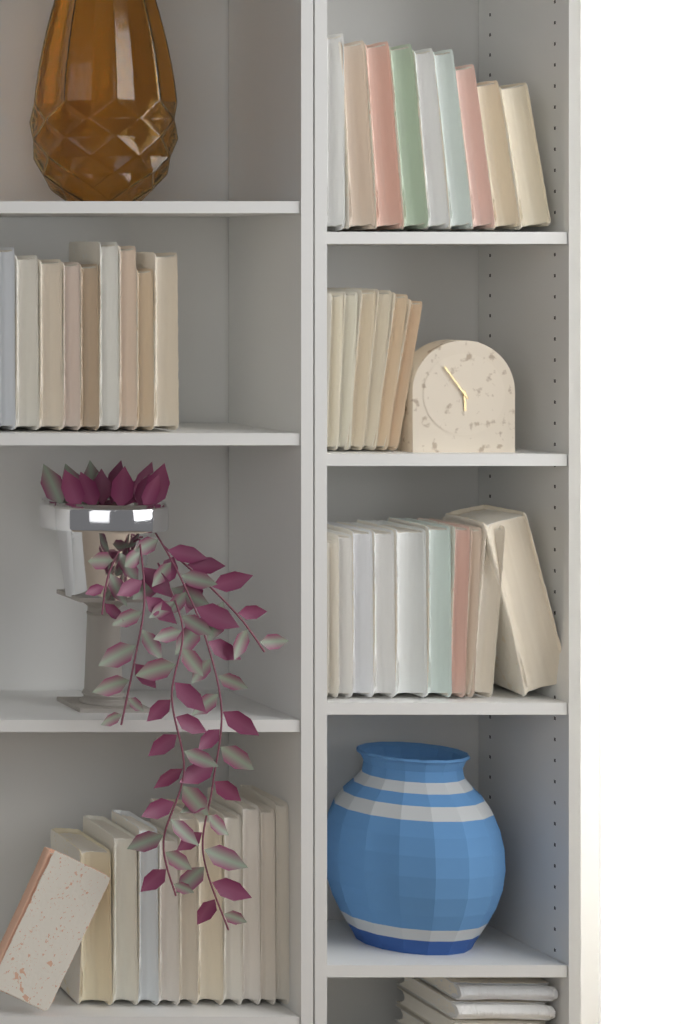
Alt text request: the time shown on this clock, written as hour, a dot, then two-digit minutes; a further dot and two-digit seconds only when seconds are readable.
5.54
